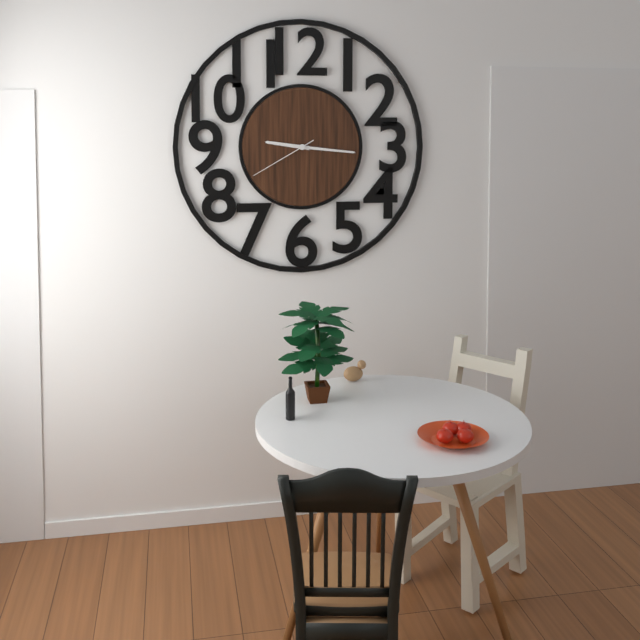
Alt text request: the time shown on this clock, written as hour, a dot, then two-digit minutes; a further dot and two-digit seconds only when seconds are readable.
9.16.40
